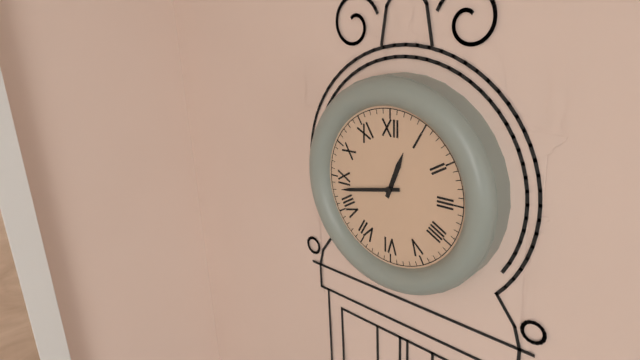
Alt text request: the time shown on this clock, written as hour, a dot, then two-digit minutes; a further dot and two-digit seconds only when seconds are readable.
12.43
